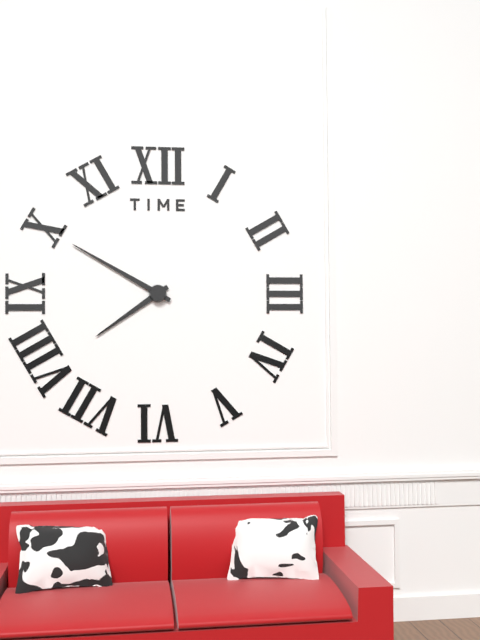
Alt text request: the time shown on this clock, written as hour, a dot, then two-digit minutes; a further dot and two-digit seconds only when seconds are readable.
7.50
